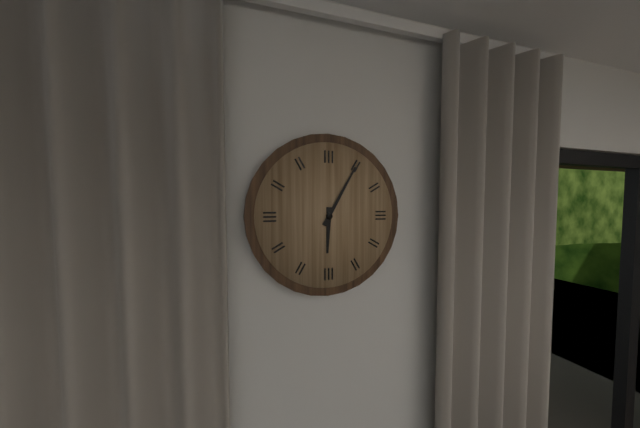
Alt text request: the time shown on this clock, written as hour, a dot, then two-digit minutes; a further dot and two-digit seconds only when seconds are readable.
6.05
